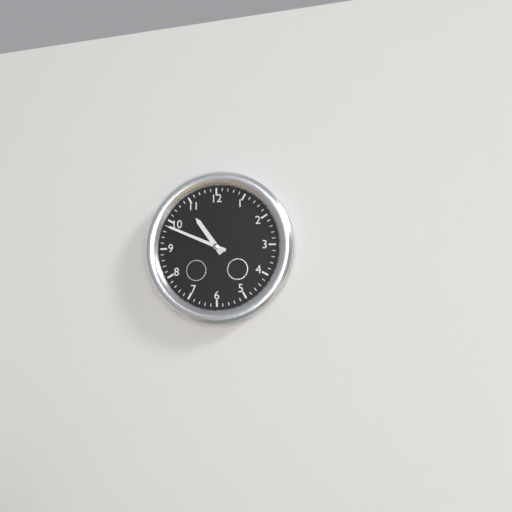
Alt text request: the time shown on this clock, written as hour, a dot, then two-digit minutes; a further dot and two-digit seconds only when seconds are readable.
10.49
